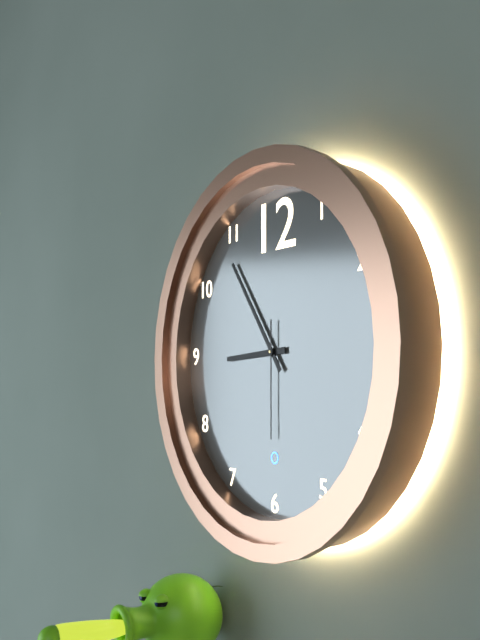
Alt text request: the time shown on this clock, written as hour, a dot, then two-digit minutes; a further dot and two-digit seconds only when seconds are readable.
8.54.30
